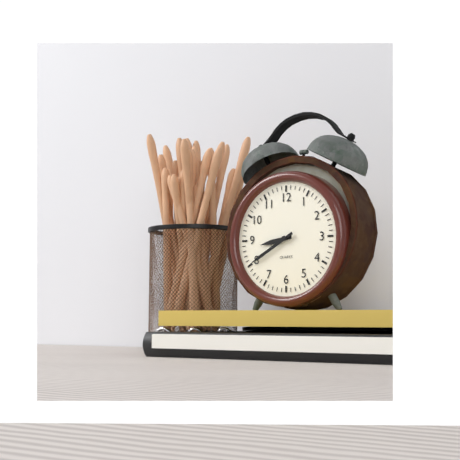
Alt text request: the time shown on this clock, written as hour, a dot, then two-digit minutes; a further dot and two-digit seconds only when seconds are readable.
8.40
